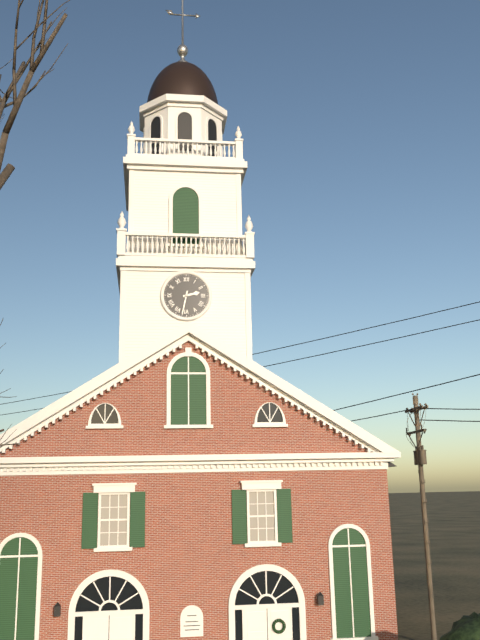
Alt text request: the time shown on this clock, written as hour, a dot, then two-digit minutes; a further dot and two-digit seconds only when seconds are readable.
2.32
